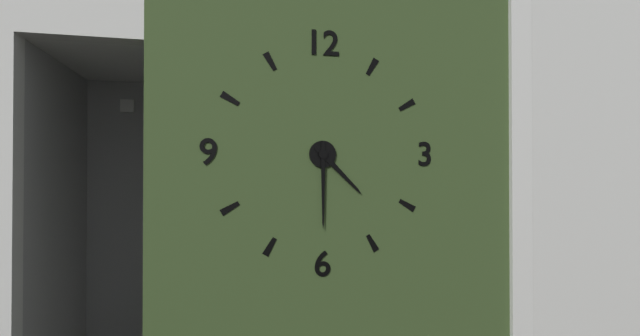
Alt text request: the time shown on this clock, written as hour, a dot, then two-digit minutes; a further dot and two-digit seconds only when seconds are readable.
4.30
